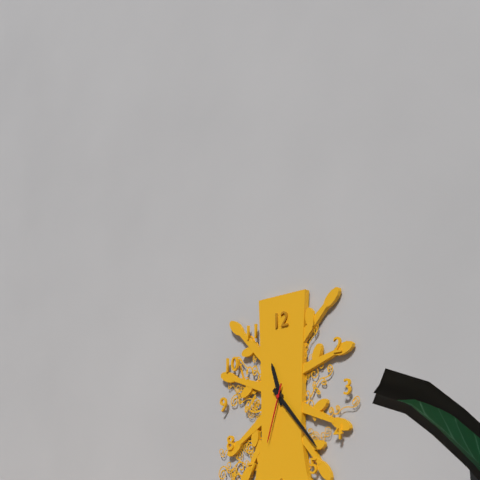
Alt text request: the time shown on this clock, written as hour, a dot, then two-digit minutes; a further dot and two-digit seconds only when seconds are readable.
11.23.33
